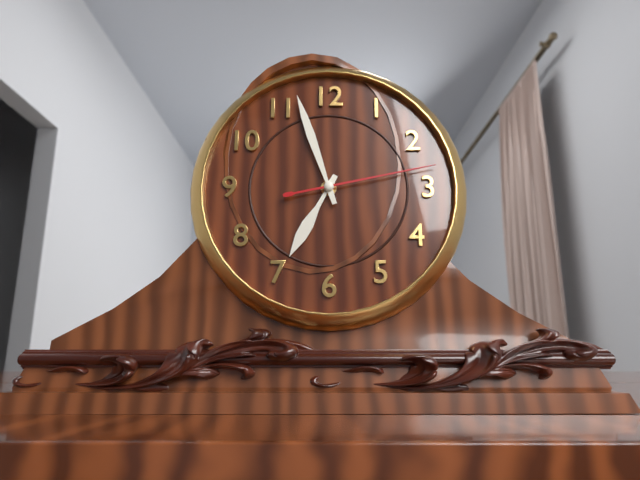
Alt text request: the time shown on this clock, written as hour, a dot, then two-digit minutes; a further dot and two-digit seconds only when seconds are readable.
6.57.13
